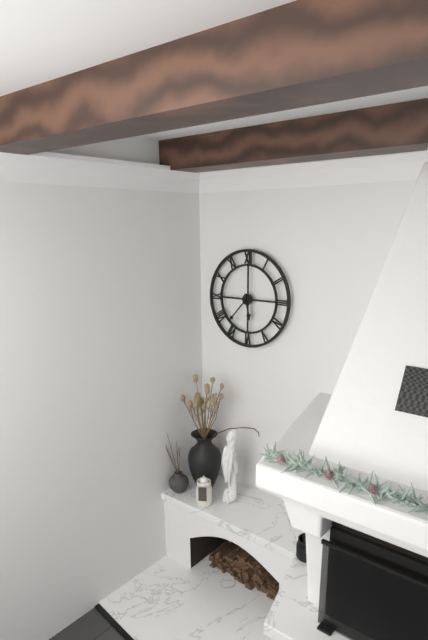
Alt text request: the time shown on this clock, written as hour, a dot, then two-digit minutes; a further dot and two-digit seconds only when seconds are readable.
5.37
